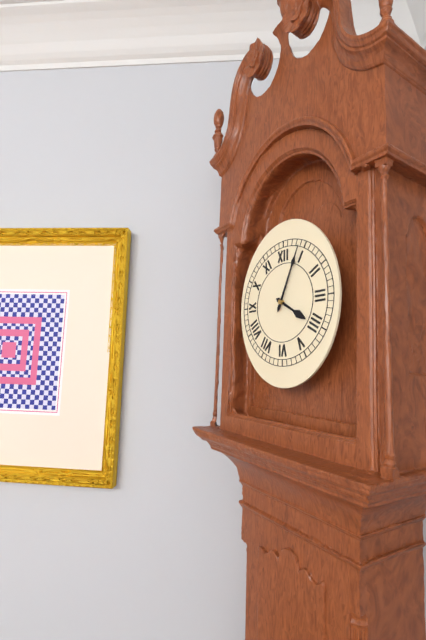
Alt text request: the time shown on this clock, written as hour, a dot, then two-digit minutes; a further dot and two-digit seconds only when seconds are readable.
4.04
